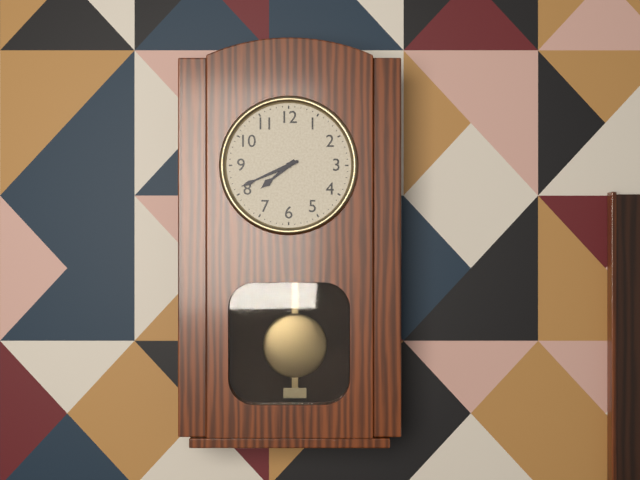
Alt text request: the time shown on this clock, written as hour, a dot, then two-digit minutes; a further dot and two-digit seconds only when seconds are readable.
7.41
